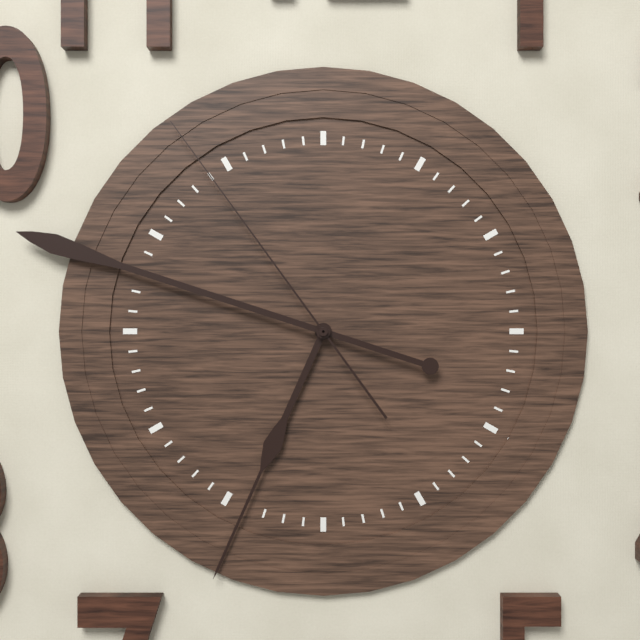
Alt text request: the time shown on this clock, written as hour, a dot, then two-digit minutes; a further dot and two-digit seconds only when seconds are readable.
6.48.54
